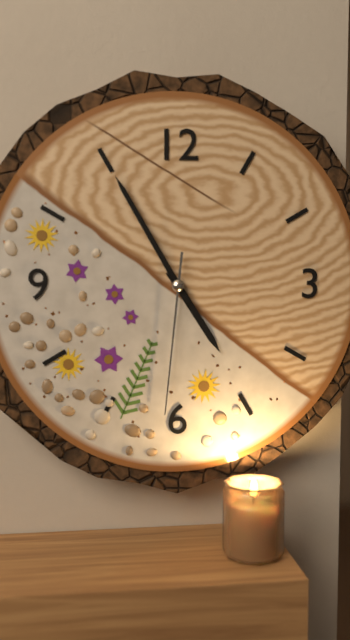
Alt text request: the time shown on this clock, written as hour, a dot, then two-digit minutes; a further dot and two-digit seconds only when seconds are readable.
4.55.31
